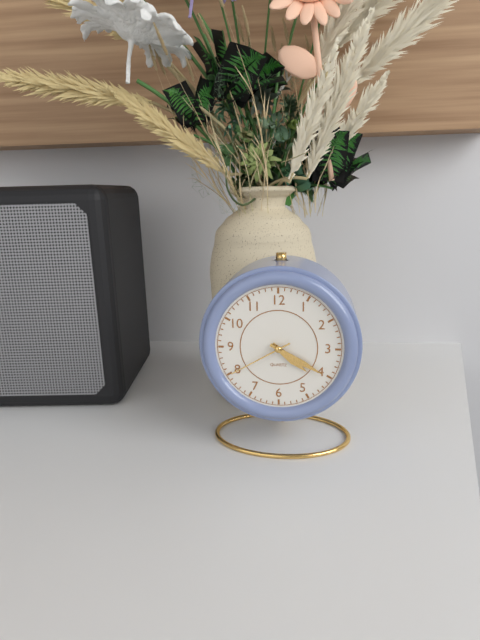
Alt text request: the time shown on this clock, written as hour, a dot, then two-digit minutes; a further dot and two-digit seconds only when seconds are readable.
4.20.40
